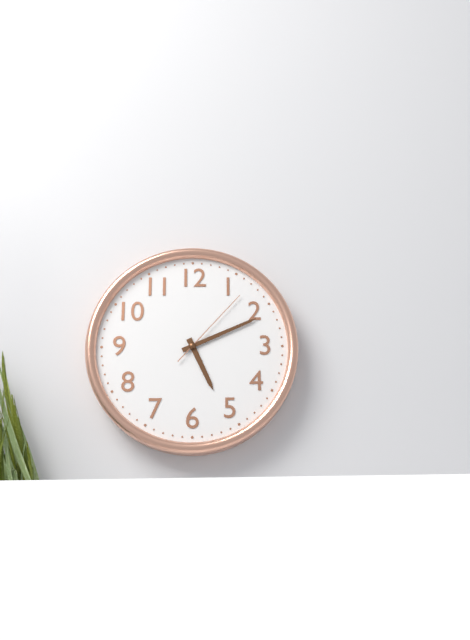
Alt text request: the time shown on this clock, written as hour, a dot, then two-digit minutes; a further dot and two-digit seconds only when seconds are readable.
5.11.07
